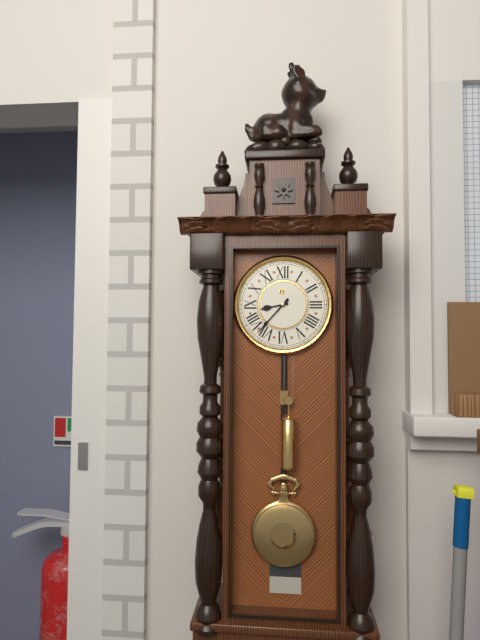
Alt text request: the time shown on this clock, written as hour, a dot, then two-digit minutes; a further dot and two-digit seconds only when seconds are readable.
8.37
